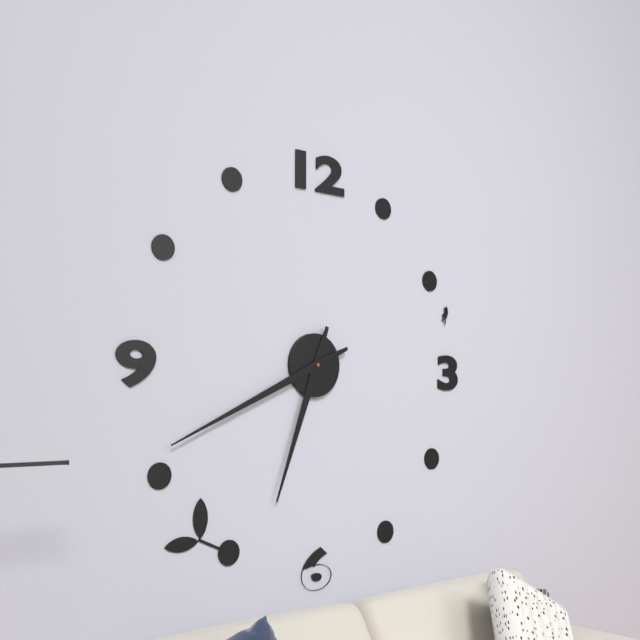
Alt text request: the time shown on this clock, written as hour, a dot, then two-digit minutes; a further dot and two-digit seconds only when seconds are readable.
6.41
